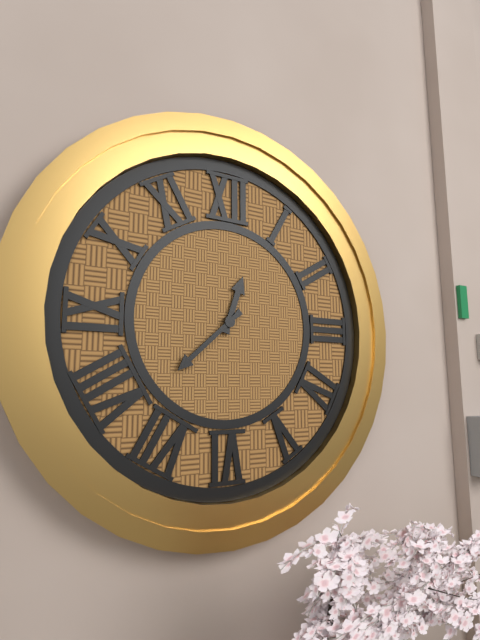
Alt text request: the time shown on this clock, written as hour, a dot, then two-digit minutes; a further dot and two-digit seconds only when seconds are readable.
12.38
